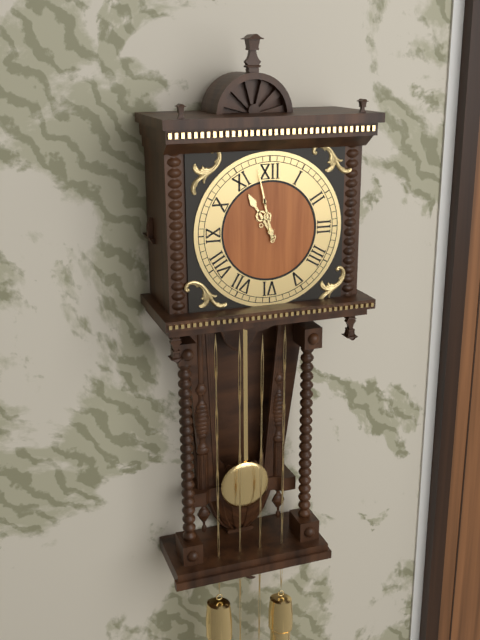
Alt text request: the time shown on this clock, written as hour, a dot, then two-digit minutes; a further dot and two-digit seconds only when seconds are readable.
10.58
